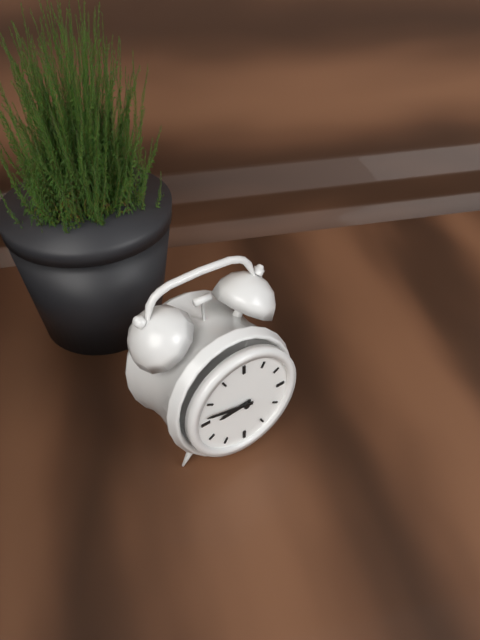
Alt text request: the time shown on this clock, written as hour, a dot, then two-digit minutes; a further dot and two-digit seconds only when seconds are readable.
8.47
